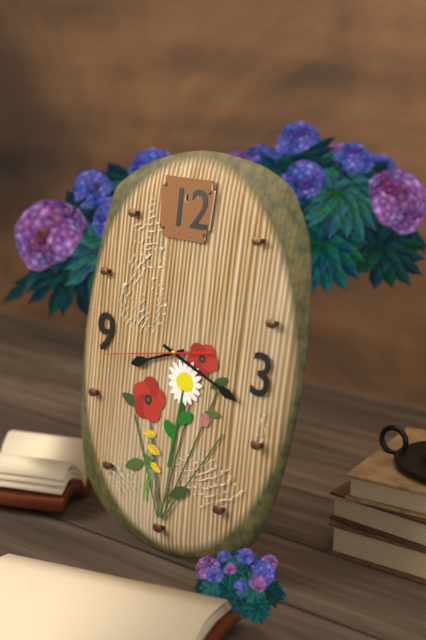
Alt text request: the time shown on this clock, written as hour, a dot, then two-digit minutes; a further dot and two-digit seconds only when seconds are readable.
8.18.43
